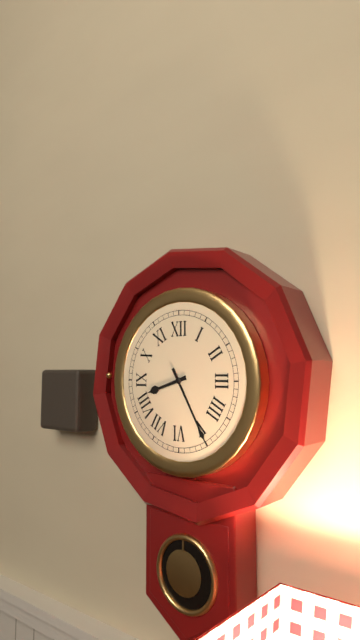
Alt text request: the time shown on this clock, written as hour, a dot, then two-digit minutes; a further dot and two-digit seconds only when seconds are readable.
8.25
